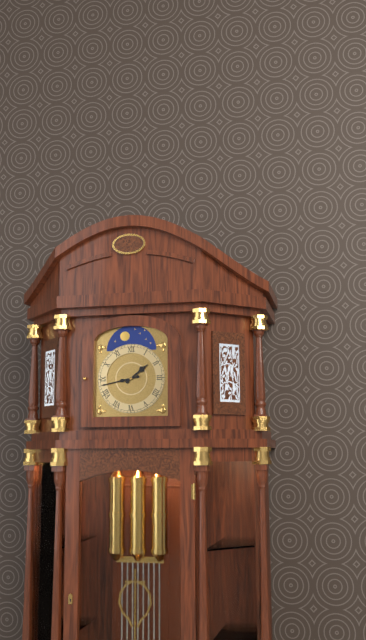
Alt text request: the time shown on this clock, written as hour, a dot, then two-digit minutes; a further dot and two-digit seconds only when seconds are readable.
1.43
